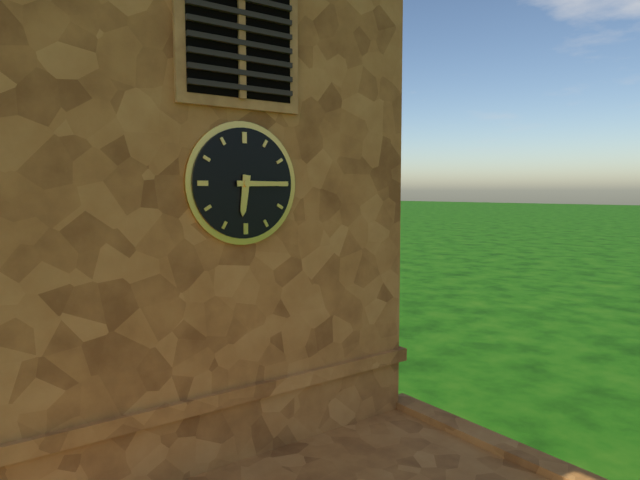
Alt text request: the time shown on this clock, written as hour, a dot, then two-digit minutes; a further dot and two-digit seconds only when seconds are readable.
6.15
